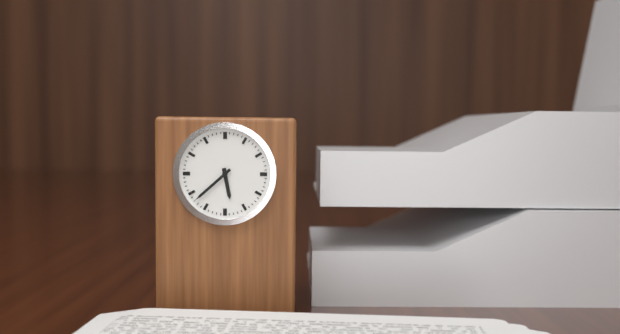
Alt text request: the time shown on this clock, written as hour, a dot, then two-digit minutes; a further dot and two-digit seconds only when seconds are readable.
5.38
